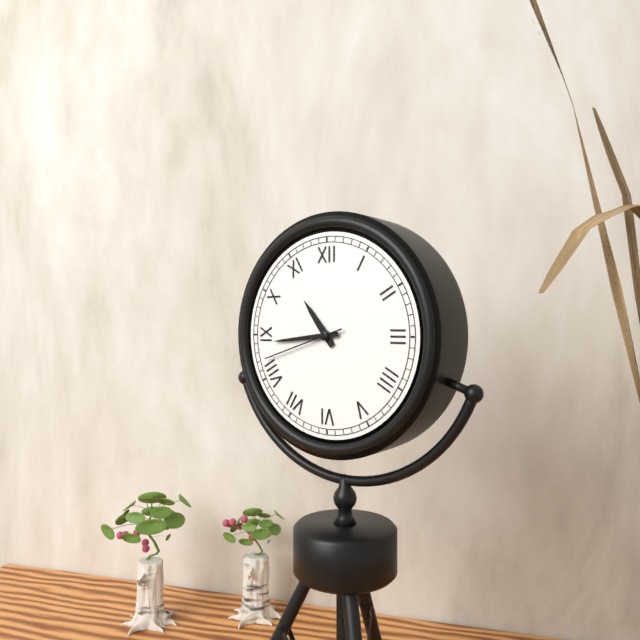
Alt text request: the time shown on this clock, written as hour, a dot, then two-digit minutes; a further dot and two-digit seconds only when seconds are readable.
10.44.42
